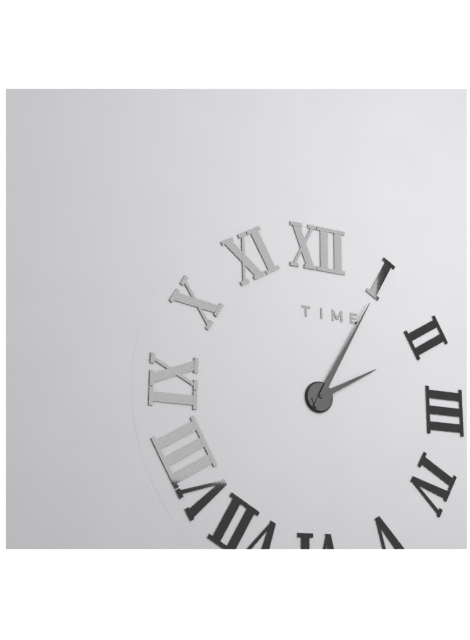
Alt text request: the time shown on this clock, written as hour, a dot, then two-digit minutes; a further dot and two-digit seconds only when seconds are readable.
2.05
